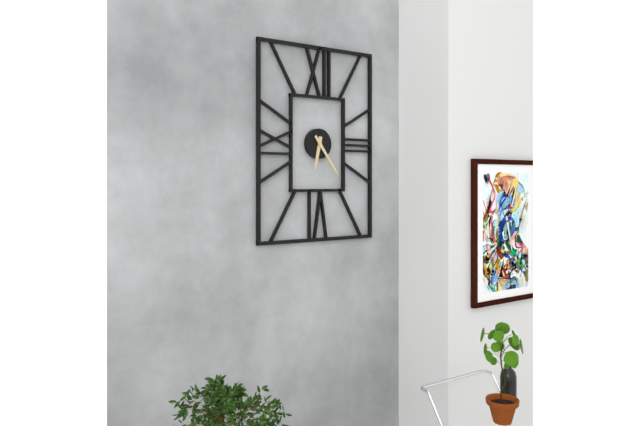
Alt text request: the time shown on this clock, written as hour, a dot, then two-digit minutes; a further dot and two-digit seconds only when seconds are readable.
6.24
